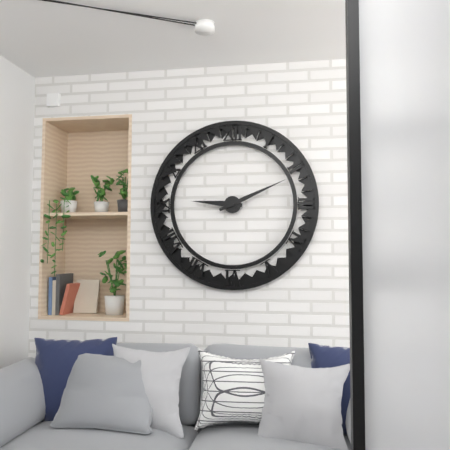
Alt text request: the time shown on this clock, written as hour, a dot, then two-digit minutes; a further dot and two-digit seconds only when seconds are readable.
9.11
